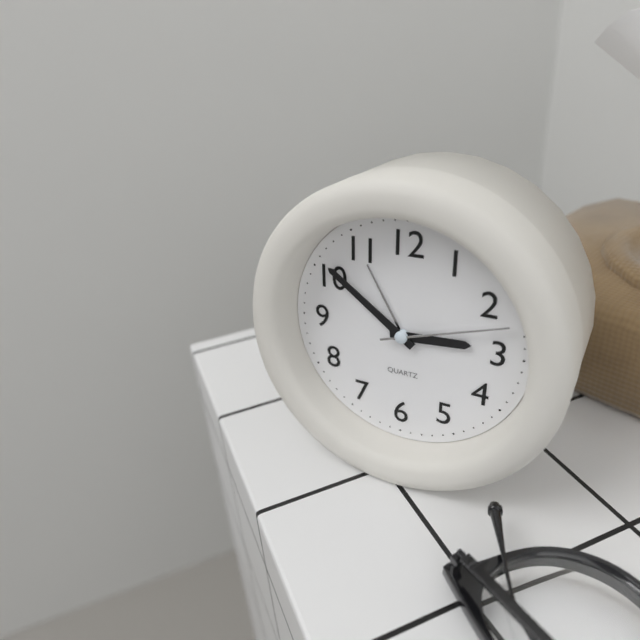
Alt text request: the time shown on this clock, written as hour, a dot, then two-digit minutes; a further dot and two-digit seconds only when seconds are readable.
2.51.12
